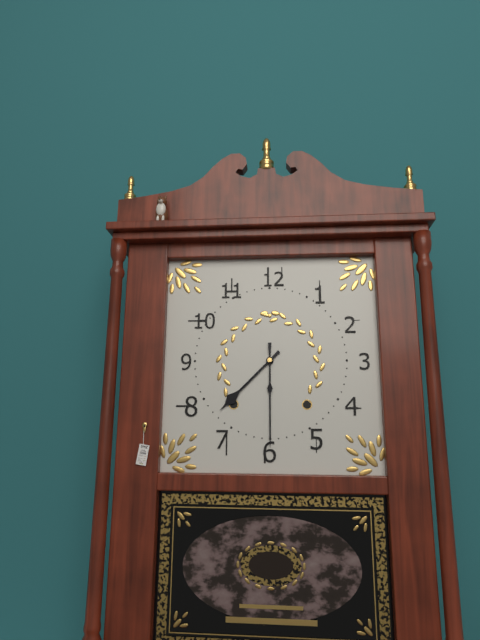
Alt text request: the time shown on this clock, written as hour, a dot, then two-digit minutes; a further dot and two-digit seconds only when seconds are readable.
7.30
